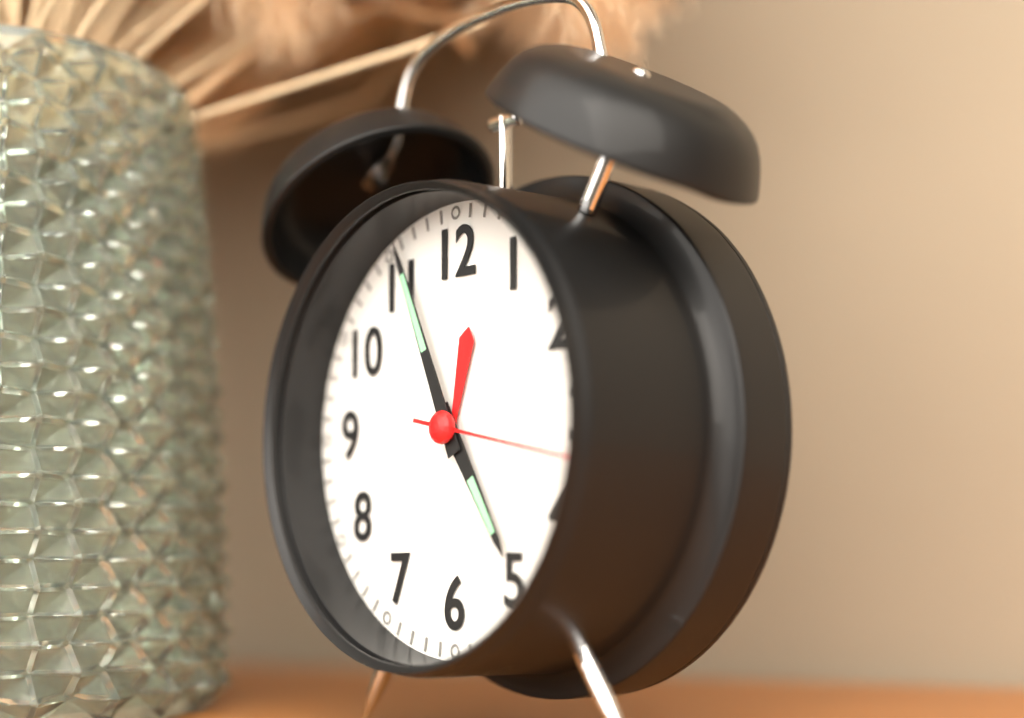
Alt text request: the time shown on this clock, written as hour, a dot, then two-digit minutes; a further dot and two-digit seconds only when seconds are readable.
4.56.17
